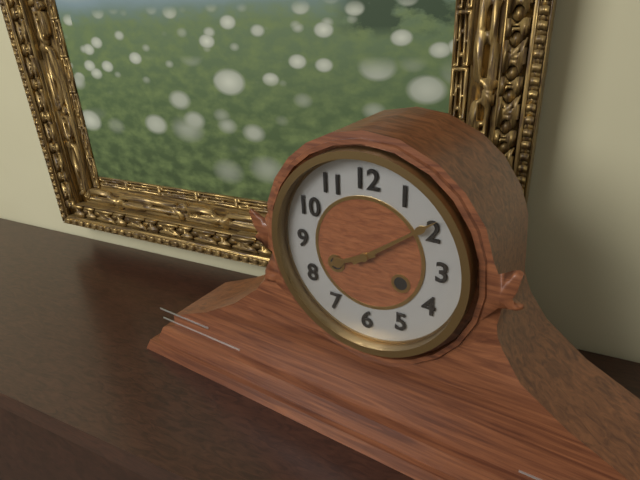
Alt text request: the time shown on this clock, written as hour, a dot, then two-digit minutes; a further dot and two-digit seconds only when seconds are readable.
8.09
